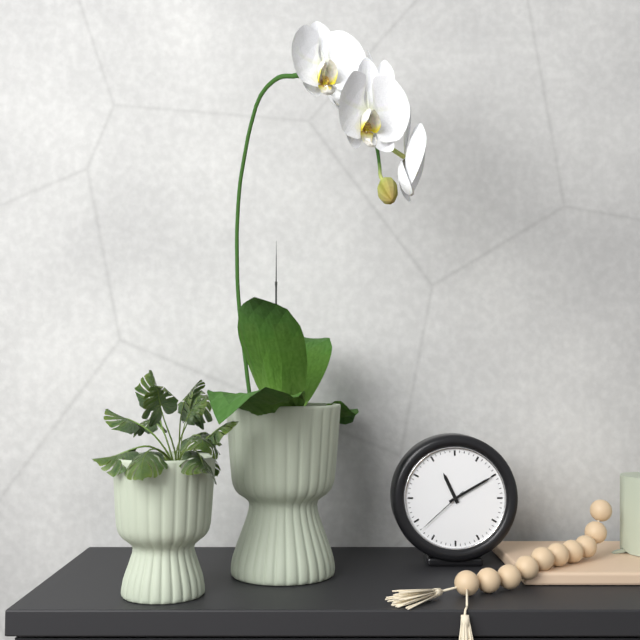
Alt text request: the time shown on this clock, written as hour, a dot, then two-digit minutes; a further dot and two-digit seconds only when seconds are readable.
11.10.38
